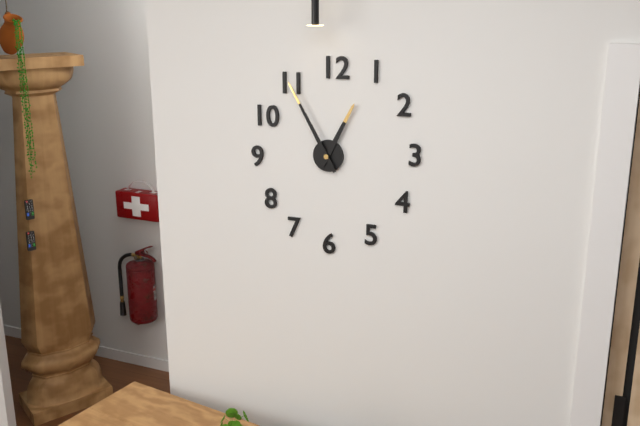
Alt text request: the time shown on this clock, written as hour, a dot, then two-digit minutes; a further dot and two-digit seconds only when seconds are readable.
12.55
